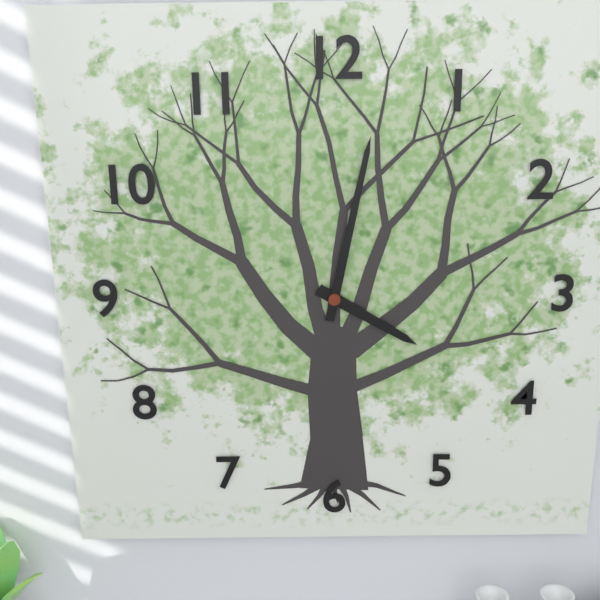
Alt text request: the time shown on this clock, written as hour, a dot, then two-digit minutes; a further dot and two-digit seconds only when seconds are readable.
4.02
